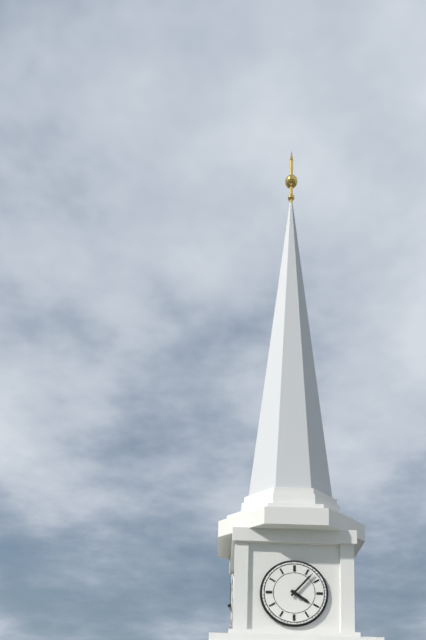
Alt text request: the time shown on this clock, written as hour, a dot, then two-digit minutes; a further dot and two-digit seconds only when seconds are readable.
4.07
